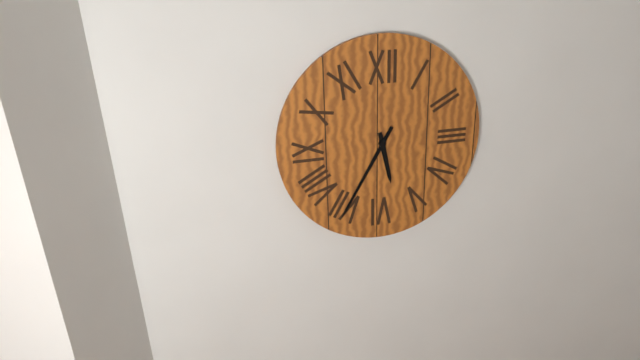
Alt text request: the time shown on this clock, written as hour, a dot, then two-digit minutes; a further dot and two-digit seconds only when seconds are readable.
5.35
